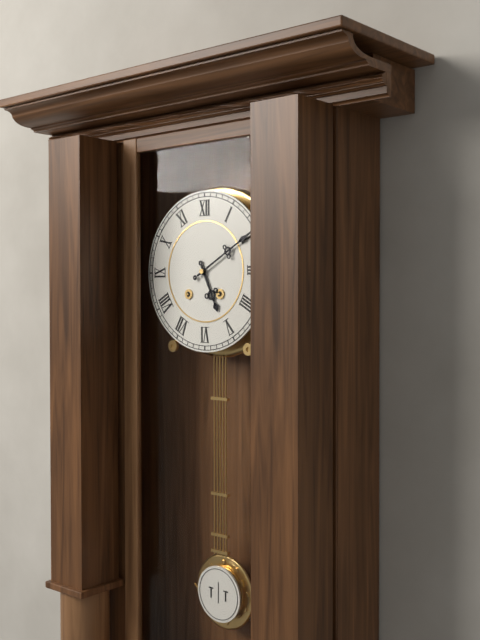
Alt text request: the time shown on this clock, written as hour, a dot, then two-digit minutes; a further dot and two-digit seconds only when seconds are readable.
5.10
